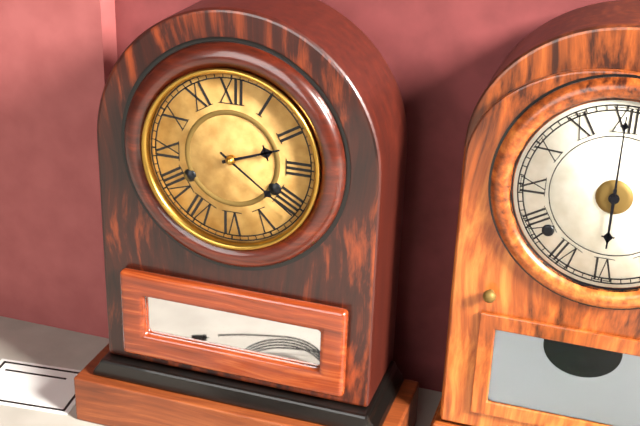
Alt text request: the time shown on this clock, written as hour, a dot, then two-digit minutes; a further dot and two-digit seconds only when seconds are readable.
2.21
